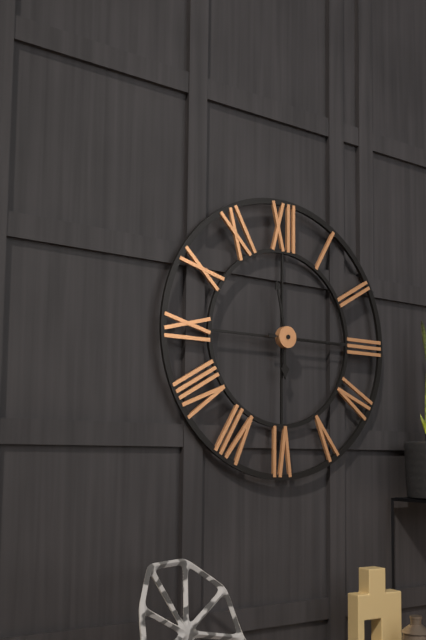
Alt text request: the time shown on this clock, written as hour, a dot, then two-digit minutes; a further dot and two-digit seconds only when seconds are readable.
5.58.15
